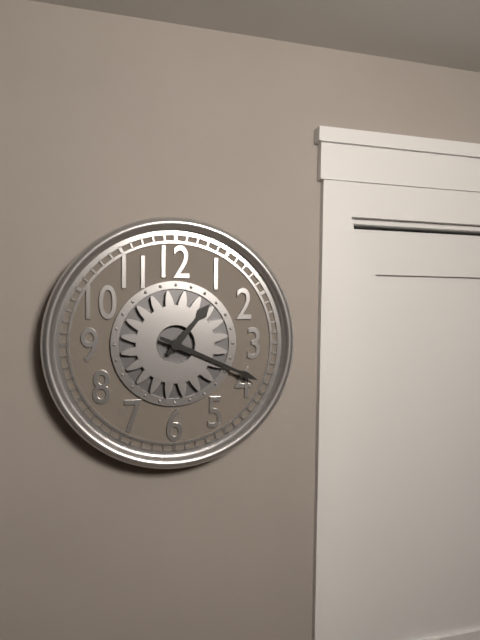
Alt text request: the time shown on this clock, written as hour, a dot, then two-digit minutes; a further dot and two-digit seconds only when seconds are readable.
1.19
